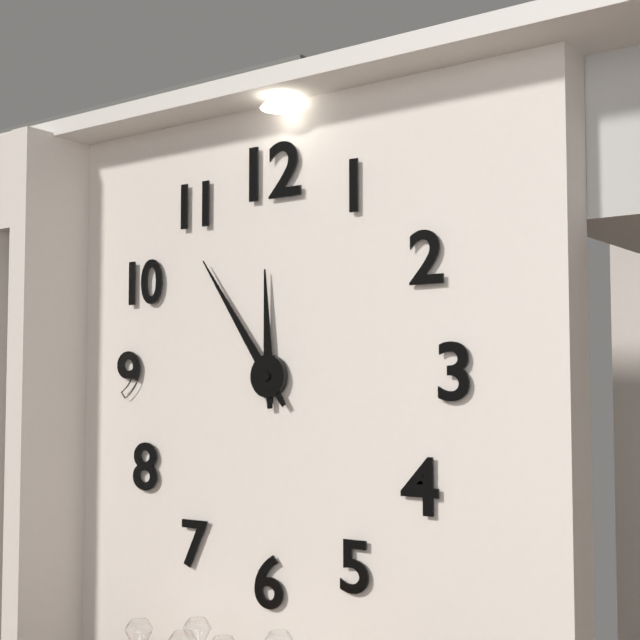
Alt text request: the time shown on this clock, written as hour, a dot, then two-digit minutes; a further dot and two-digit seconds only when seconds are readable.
11.54
